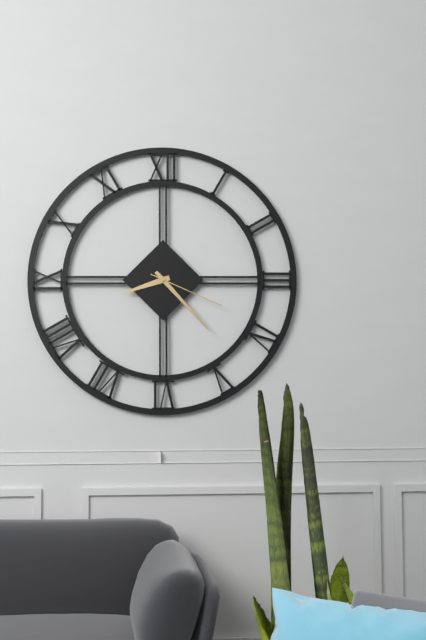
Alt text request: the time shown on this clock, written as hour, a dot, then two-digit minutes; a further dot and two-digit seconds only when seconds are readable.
8.23.19
